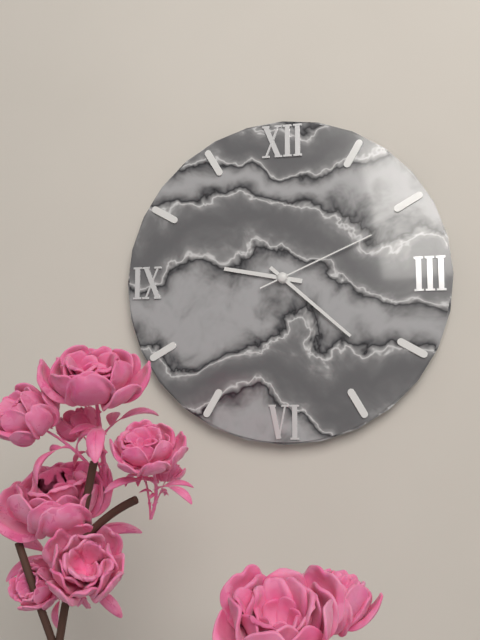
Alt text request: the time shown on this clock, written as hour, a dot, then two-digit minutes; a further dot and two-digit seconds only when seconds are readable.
9.22.11
